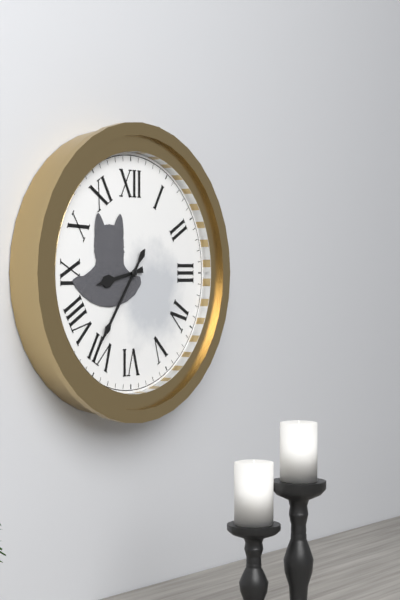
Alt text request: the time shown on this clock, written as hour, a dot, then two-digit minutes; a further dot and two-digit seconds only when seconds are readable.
8.36
